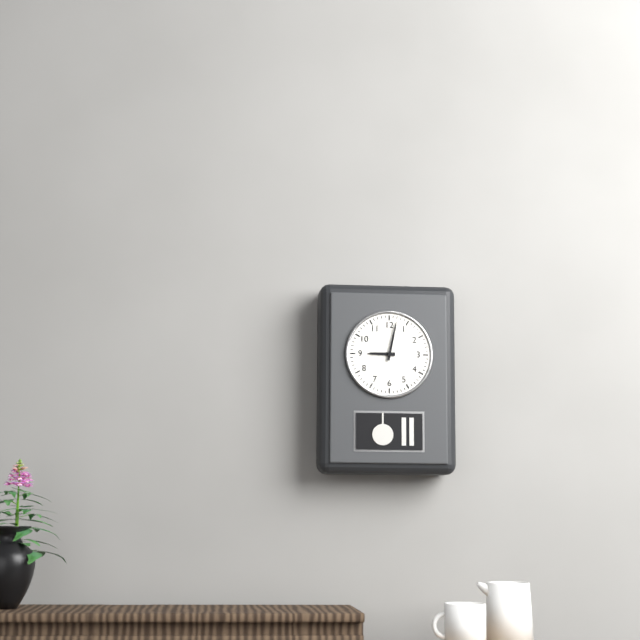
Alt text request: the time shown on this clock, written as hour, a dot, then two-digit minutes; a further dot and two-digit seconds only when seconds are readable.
9.02
